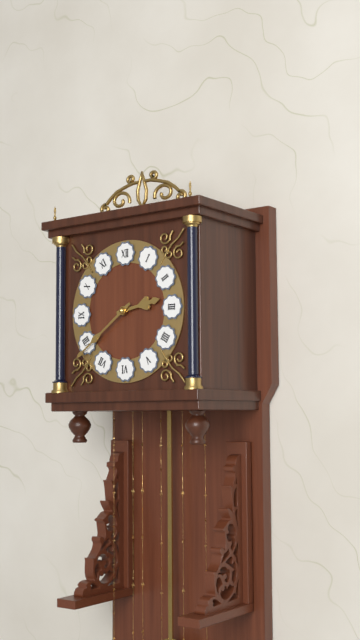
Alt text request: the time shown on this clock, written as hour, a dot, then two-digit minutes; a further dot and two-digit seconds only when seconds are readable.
2.39
